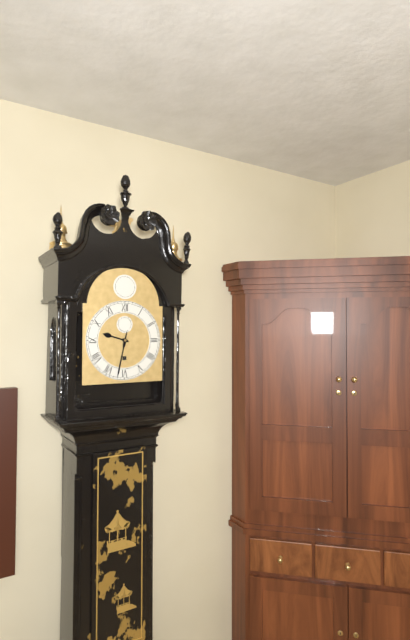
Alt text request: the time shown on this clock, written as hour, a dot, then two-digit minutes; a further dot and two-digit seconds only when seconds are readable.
9.32
